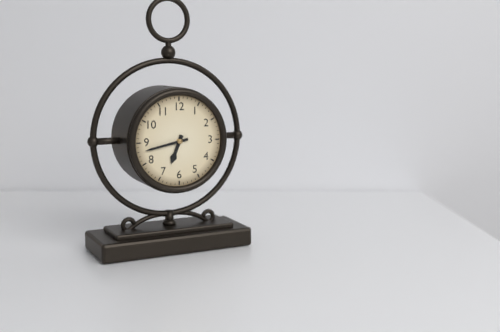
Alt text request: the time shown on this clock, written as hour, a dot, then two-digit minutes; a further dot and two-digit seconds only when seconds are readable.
6.43
